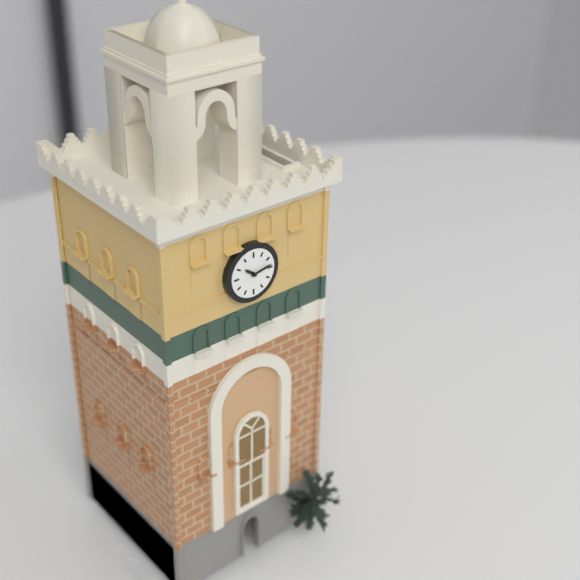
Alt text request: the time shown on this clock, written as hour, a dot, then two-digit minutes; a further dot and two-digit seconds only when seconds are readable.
10.13
